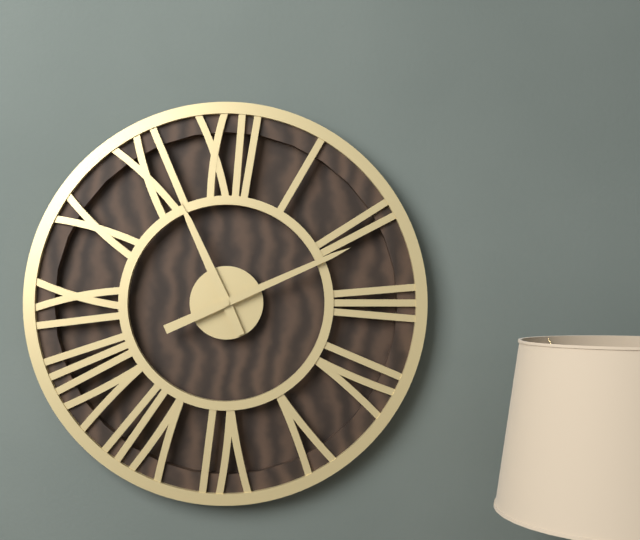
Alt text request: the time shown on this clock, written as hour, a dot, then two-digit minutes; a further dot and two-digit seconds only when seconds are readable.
11.11
